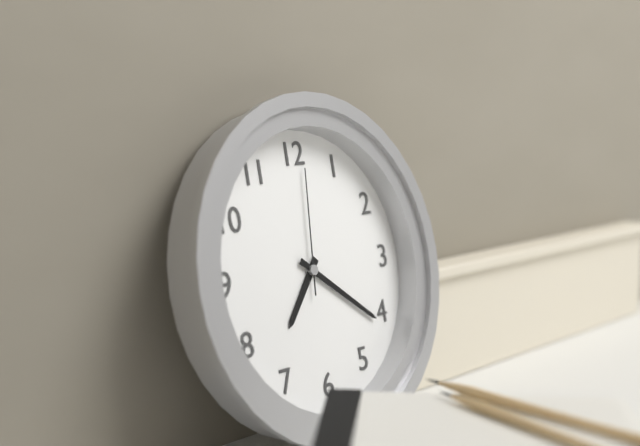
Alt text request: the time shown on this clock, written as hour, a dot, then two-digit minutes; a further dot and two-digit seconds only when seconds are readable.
7.21.01
